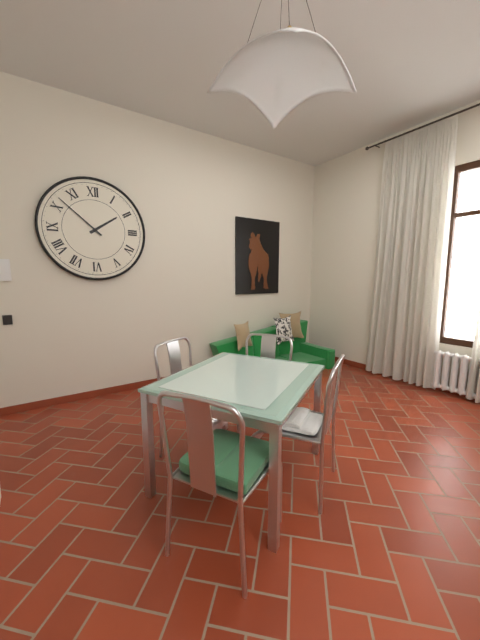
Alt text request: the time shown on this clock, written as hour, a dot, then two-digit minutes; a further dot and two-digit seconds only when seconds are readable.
1.52
